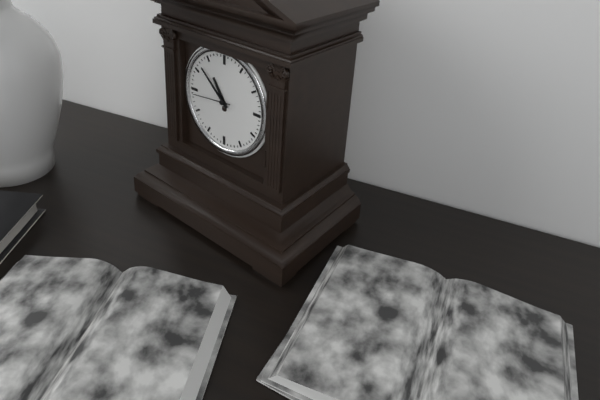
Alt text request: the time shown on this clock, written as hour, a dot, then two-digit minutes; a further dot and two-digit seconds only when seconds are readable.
10.52
